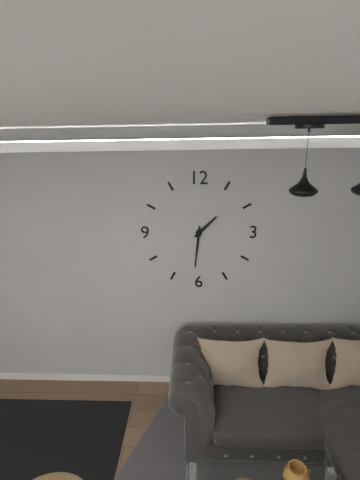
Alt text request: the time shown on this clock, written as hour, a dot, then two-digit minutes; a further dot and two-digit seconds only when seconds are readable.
1.31
